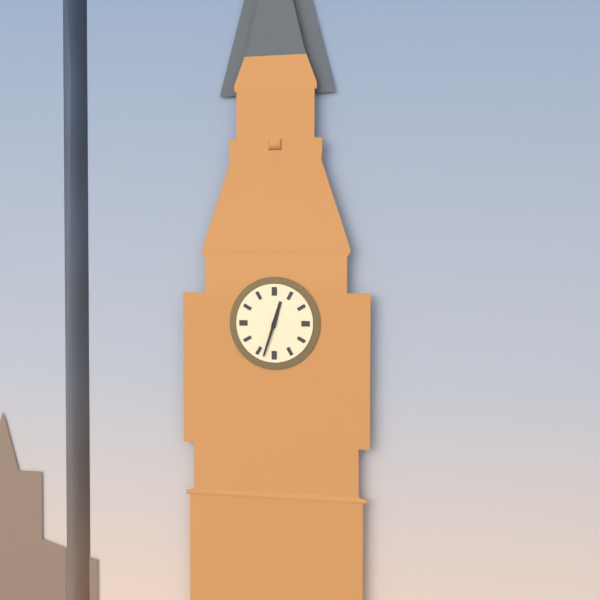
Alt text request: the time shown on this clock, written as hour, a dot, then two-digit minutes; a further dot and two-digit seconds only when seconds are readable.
12.33
